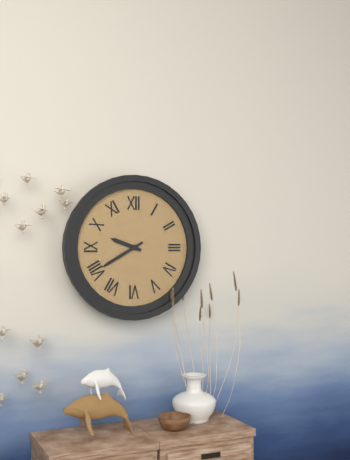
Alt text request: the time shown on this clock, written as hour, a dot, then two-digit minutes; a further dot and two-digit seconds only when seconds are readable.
9.40
